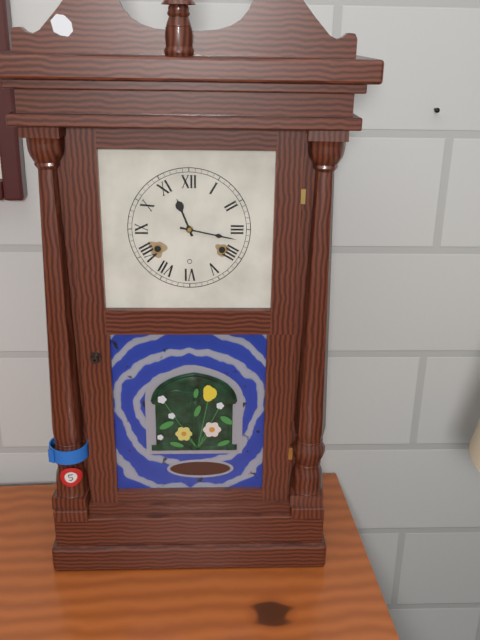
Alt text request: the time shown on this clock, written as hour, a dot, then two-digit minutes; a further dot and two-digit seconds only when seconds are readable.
11.17
